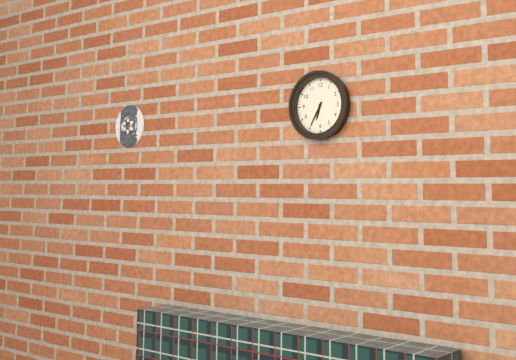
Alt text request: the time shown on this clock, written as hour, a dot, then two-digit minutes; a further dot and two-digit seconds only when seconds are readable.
6.35
